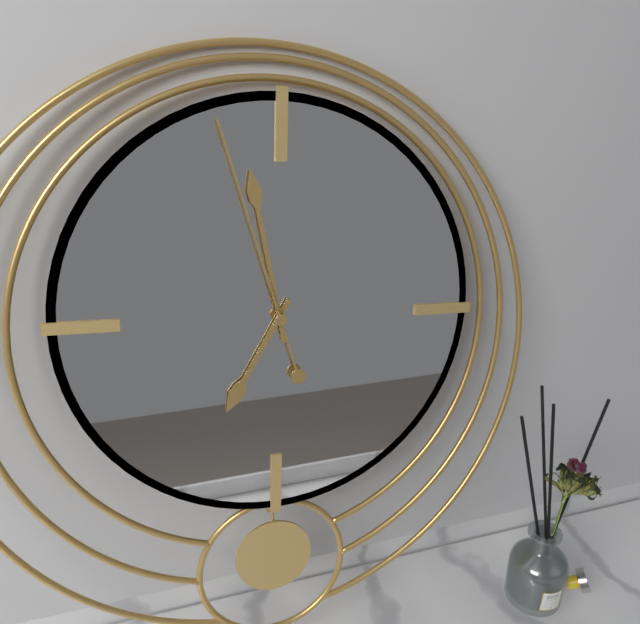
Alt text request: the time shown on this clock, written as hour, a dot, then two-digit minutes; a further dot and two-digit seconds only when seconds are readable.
6.58.57
